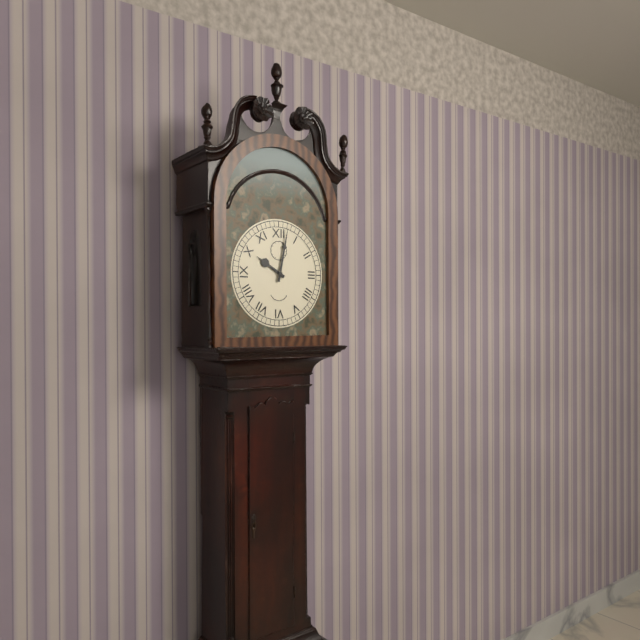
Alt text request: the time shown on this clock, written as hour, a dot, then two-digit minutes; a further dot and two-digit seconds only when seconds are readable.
10.02
